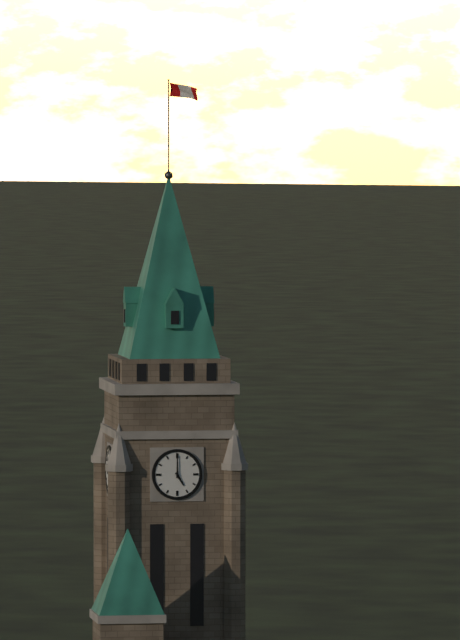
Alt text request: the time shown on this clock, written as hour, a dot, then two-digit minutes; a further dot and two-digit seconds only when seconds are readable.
5.00
